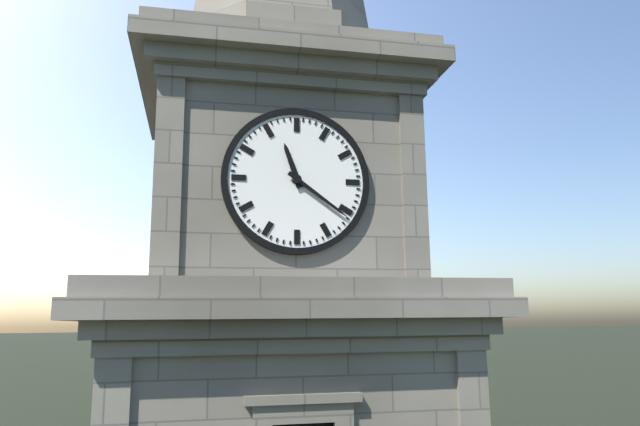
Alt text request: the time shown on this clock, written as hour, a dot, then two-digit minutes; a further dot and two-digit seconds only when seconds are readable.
11.21
